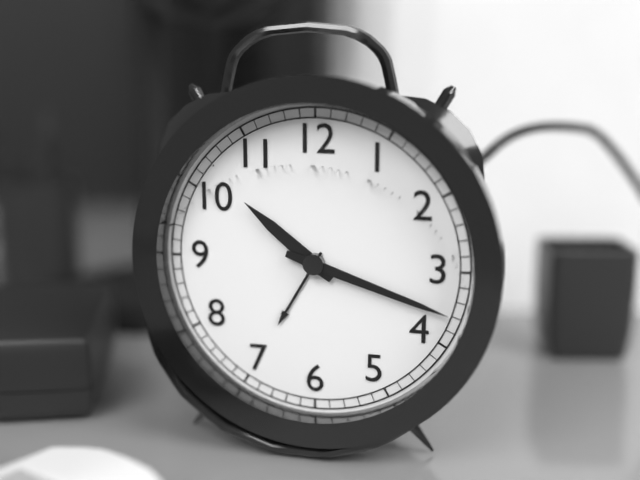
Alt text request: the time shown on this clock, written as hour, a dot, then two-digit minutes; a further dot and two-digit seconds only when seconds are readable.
10.18
